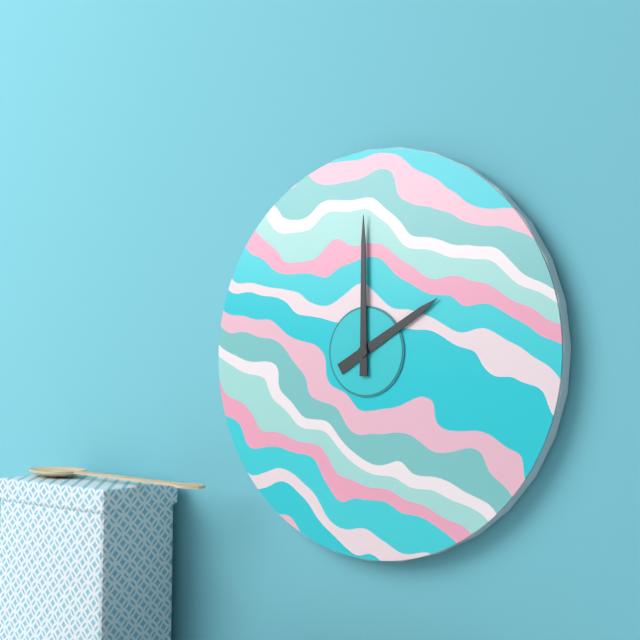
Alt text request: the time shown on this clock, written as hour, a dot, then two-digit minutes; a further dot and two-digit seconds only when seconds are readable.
2.00
